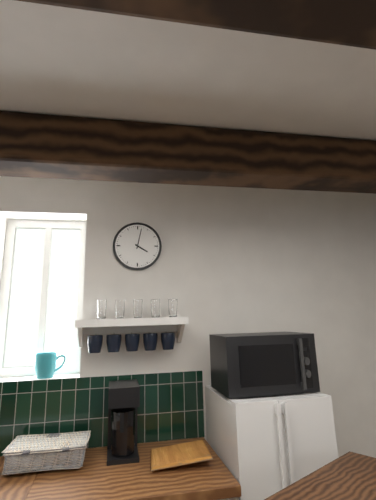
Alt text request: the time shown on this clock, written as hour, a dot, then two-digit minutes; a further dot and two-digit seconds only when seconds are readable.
4.02
